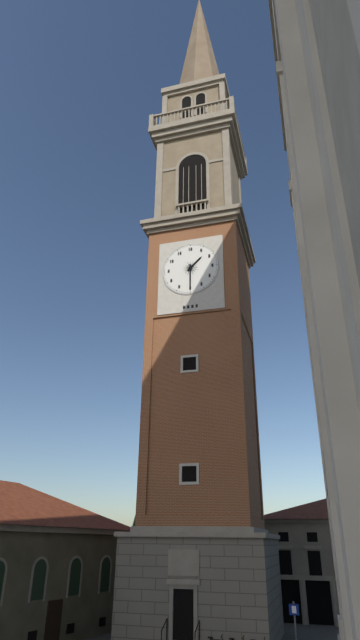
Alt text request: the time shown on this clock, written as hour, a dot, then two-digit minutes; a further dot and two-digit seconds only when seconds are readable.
1.30
